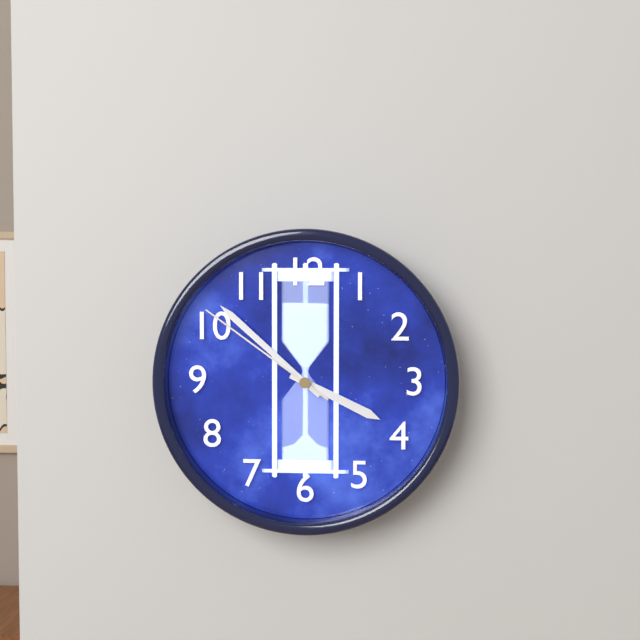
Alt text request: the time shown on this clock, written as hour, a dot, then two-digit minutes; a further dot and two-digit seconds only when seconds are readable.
3.52.51
